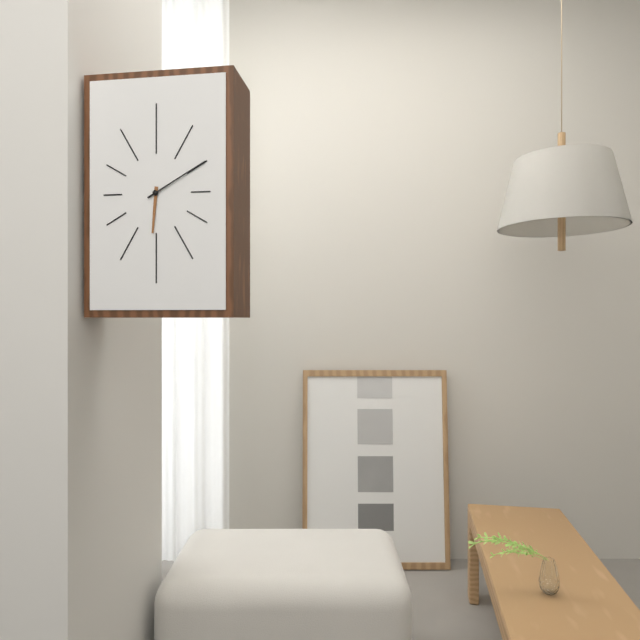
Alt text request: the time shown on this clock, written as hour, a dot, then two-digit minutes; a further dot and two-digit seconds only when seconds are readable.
6.10
